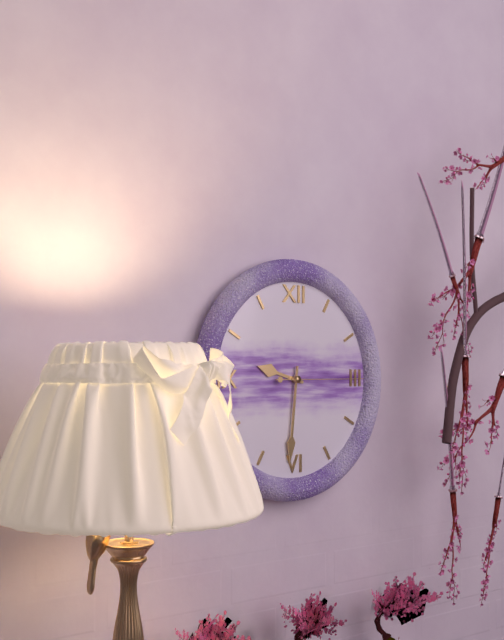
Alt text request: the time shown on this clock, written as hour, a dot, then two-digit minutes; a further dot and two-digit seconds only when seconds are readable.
9.31.15
